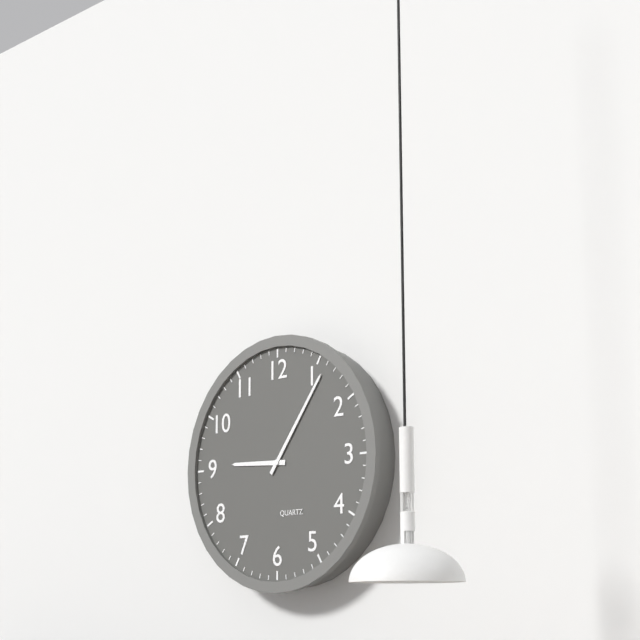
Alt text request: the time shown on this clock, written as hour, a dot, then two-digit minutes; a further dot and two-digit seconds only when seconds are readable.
9.06
